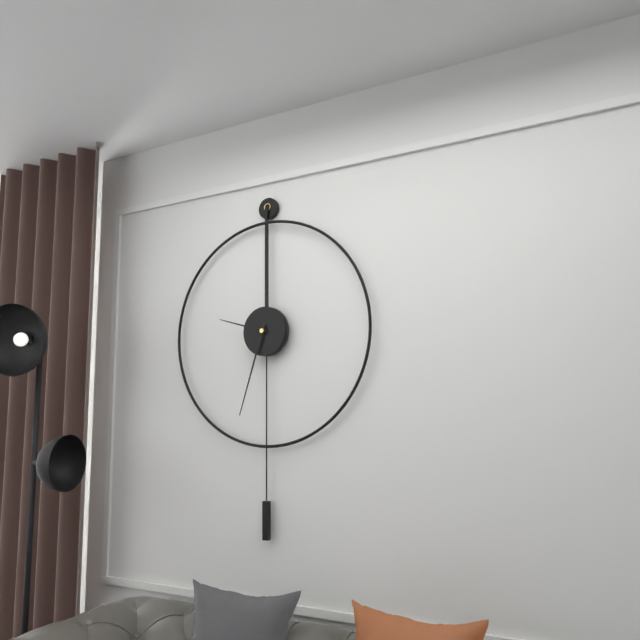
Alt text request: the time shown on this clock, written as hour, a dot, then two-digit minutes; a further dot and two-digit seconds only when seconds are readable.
9.33
